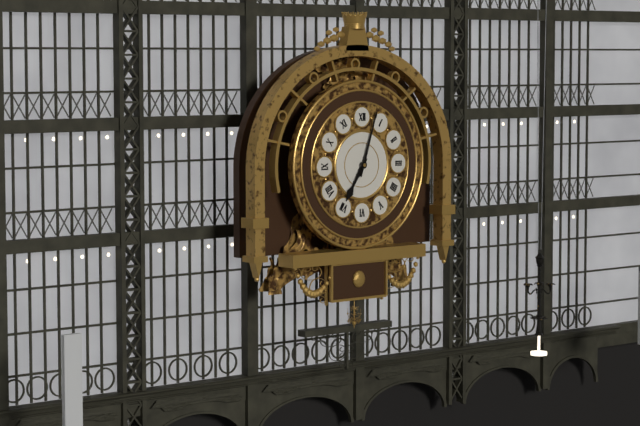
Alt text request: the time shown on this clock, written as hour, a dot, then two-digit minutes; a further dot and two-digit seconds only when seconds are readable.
7.03
